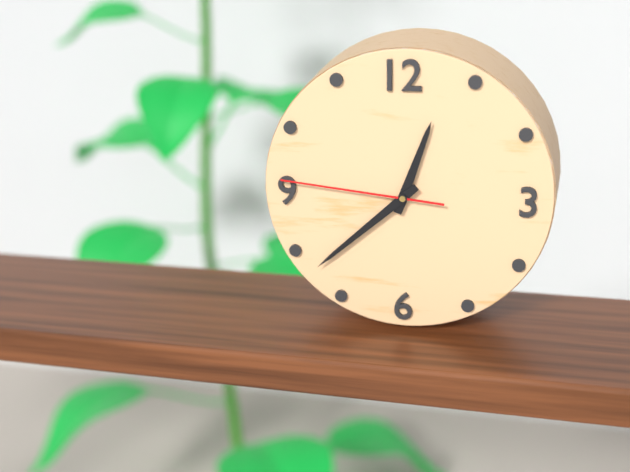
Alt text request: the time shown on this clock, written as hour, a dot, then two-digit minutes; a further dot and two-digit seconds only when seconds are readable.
12.38.46
